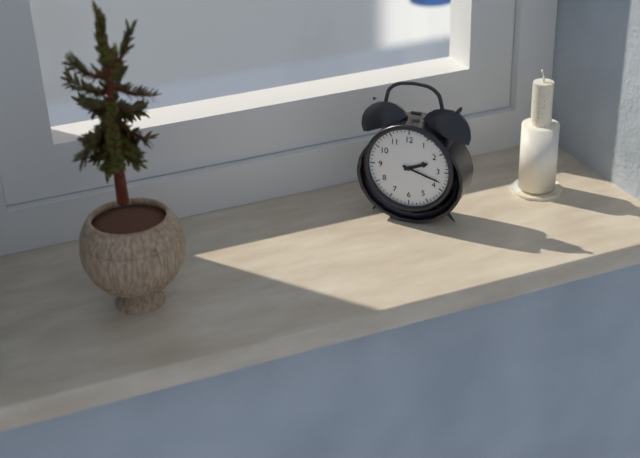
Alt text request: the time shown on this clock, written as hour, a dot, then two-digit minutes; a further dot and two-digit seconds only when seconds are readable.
2.18
